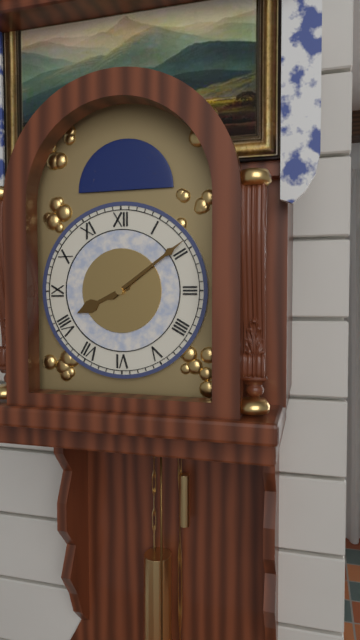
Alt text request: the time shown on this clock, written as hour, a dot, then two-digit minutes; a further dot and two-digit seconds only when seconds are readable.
8.09
